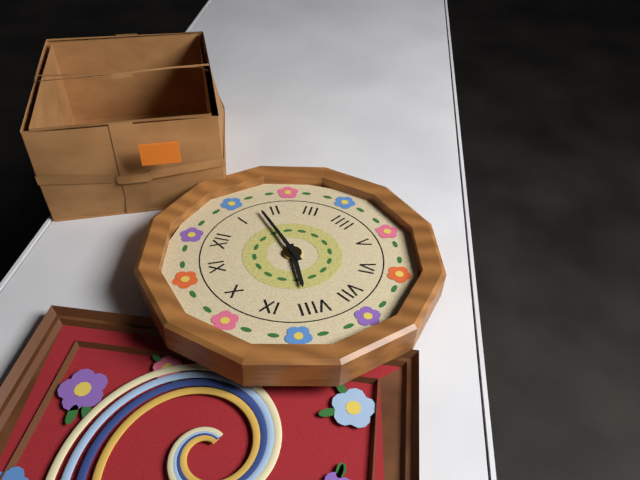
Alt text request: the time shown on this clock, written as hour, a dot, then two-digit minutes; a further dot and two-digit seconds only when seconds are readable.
8.08
